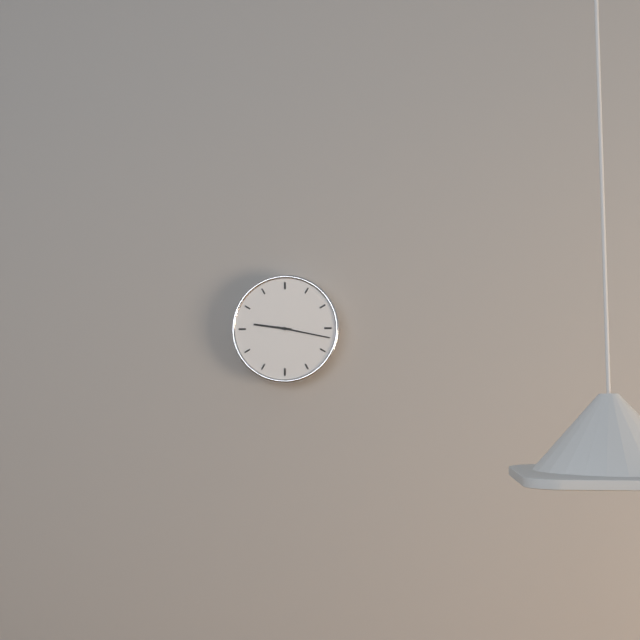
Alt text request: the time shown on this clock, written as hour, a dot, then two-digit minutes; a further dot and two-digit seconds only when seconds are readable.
9.17
